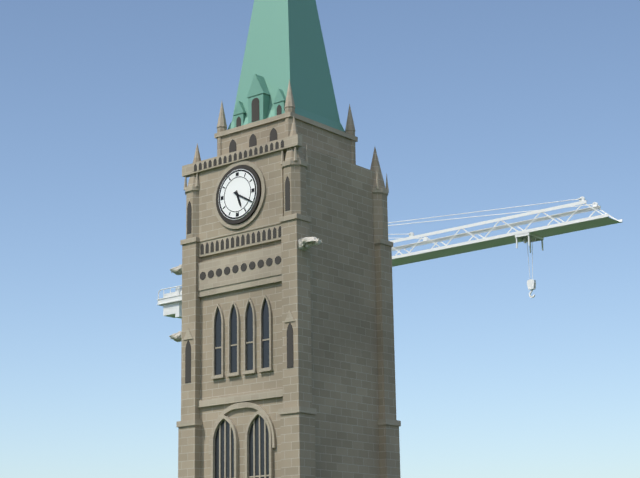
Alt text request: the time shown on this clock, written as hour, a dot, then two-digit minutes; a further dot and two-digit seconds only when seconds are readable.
5.20
